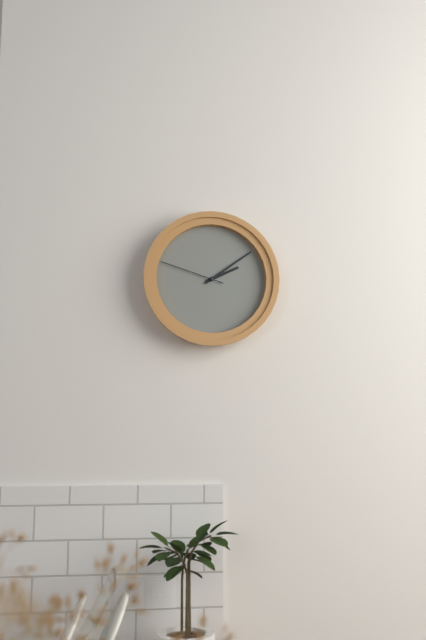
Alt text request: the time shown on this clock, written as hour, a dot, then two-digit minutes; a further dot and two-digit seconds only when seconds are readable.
2.09.48
